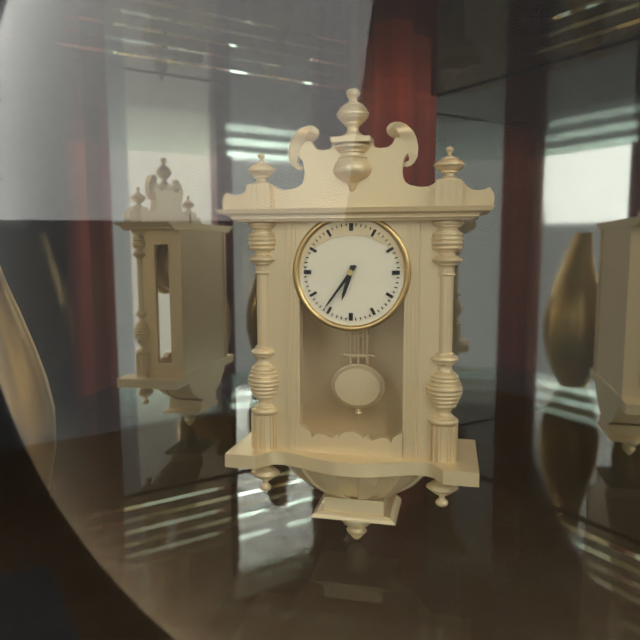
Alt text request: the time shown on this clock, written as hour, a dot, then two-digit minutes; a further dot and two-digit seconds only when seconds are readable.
6.36
